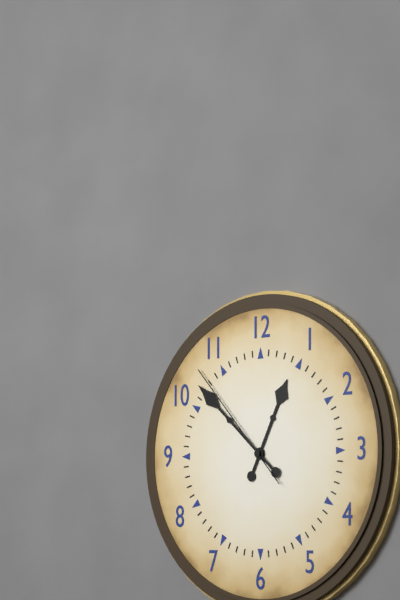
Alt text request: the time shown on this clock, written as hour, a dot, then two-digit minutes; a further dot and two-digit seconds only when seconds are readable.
12.52.53
